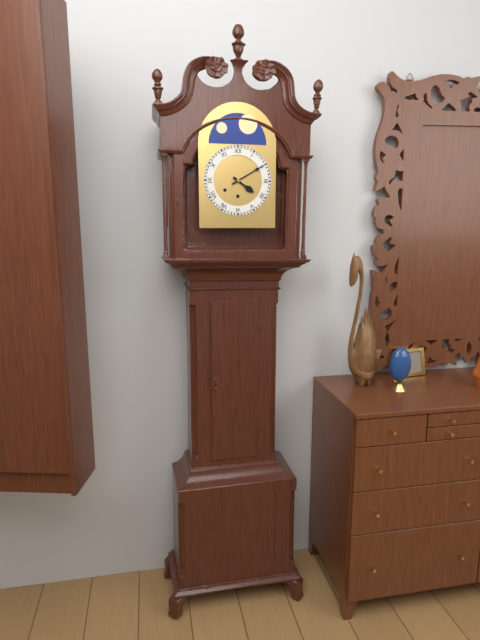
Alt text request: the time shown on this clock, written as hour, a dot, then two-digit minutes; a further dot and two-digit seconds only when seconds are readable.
4.10
